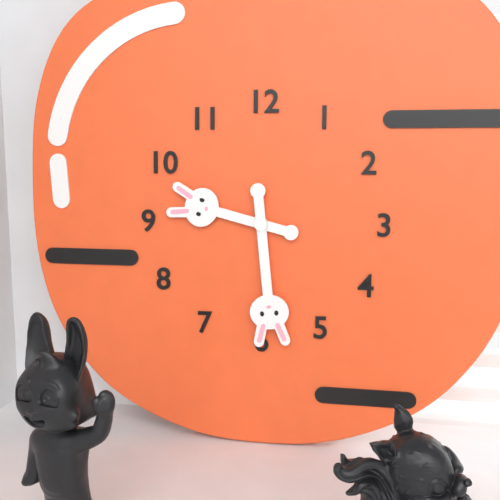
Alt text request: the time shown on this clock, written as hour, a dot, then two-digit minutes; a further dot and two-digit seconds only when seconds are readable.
9.29
